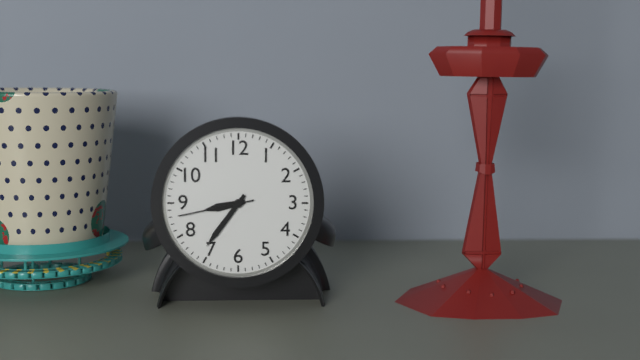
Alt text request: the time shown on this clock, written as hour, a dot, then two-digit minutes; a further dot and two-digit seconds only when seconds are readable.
8.36.43
